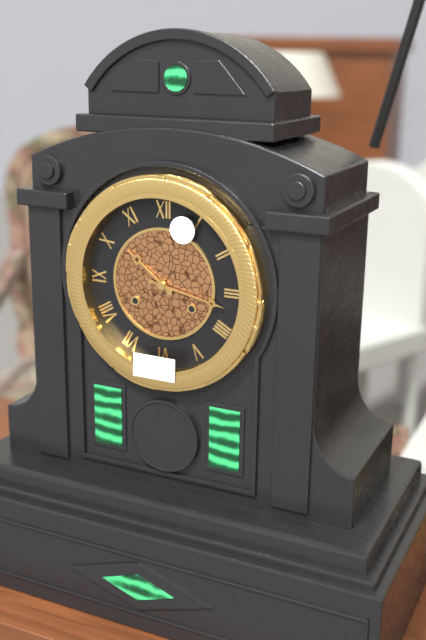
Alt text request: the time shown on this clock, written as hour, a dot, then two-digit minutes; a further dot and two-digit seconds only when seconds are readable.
10.17
